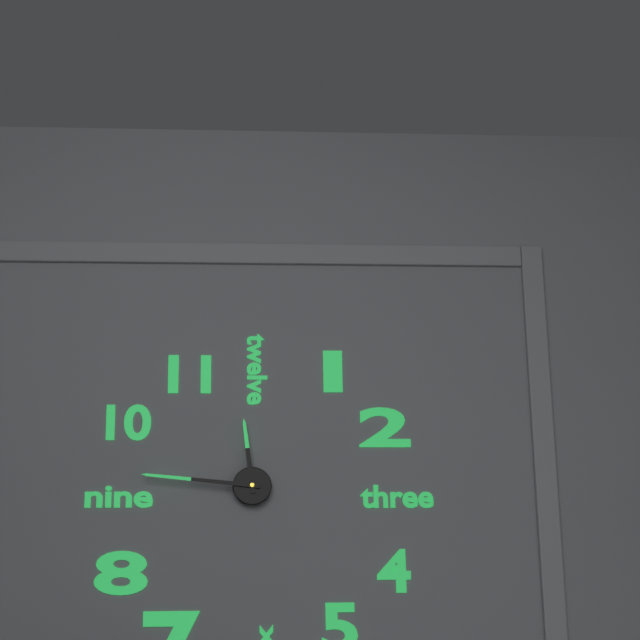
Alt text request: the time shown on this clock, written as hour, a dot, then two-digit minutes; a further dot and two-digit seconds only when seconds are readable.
11.46
